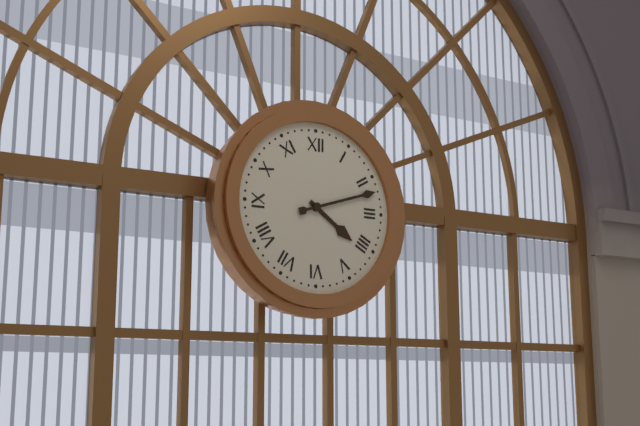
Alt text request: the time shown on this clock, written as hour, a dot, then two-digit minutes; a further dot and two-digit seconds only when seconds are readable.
4.12
